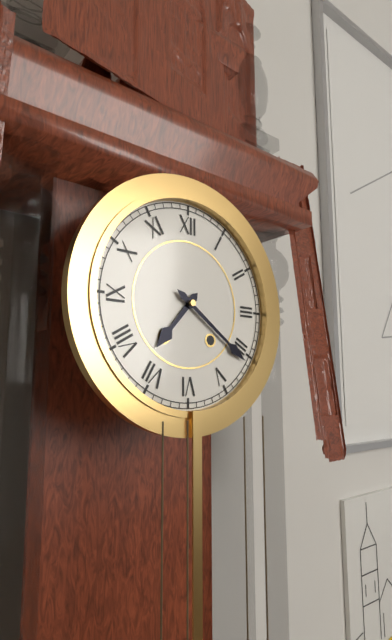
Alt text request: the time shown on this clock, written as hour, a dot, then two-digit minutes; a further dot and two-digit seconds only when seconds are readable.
7.21
